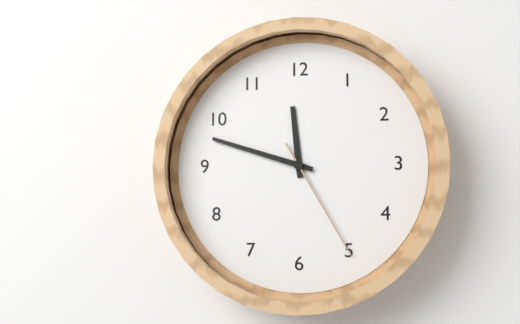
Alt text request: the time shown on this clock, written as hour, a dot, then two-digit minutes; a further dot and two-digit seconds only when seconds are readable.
11.48.25
